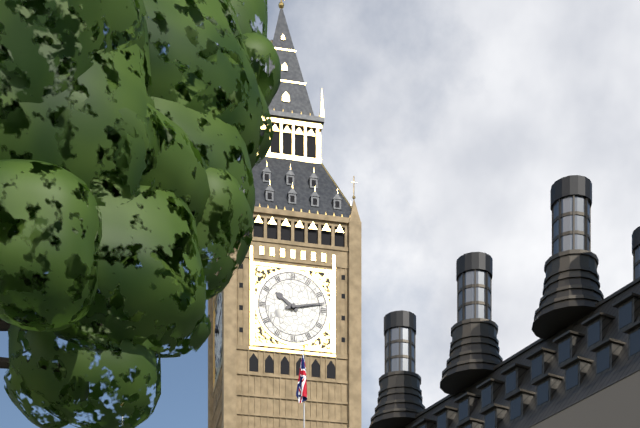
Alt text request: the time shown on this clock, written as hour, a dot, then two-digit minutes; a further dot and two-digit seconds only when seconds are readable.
10.13
